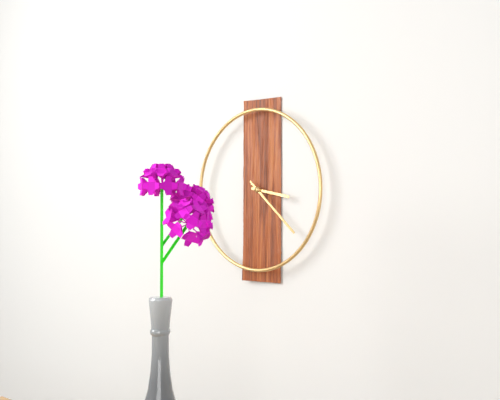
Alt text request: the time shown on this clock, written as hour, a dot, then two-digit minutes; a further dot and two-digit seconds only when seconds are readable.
3.22
